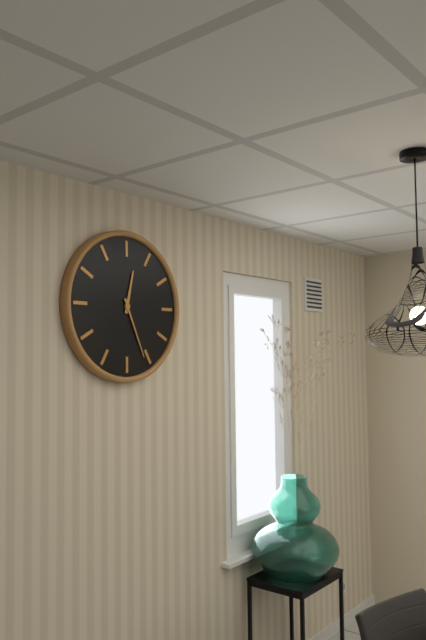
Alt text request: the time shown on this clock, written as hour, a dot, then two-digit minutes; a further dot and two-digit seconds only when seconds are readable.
12.26
